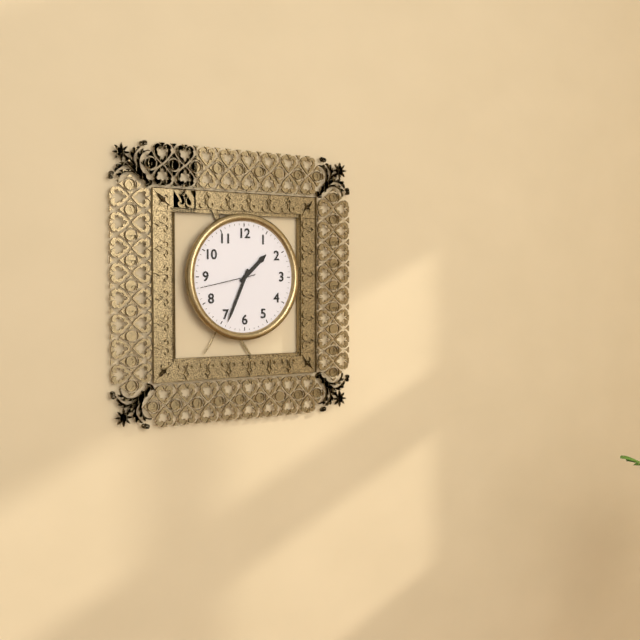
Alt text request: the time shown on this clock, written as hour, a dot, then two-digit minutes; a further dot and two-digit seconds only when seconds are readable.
1.34.43
